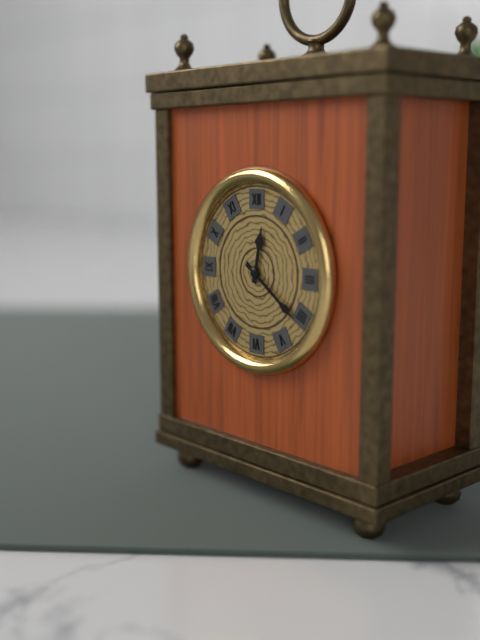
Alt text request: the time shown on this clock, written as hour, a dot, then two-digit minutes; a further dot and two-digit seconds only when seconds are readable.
12.21
